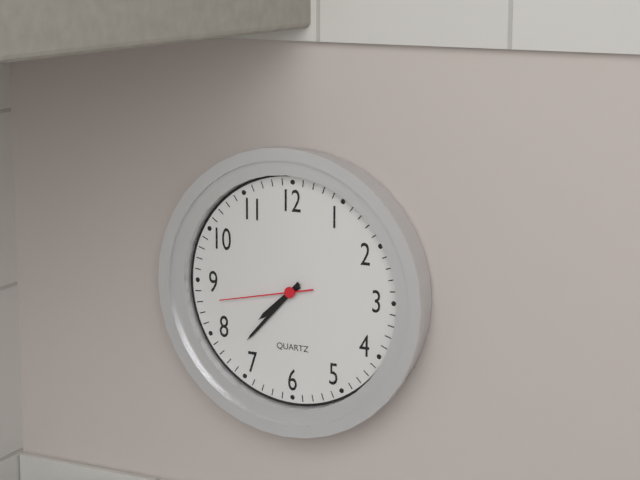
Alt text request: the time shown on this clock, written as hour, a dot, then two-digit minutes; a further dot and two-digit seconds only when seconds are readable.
7.37.43
